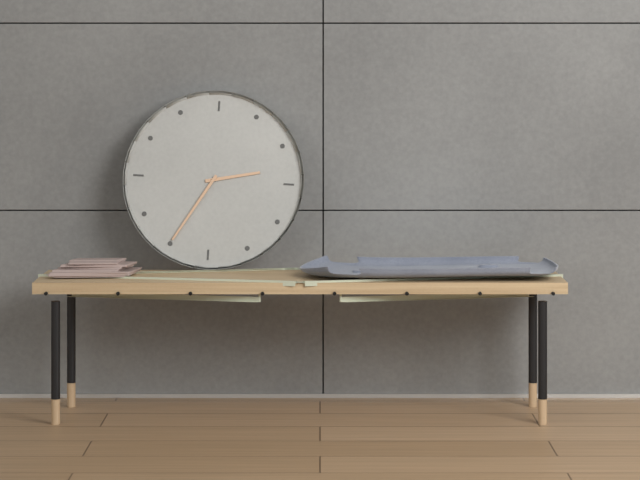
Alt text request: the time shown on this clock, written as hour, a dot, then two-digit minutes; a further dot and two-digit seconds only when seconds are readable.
2.35
